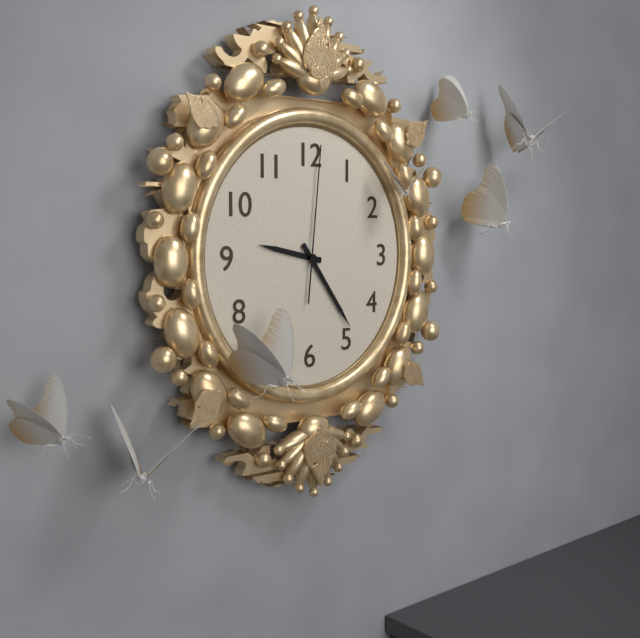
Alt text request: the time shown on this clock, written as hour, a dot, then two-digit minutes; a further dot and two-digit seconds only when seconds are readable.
9.24.01
